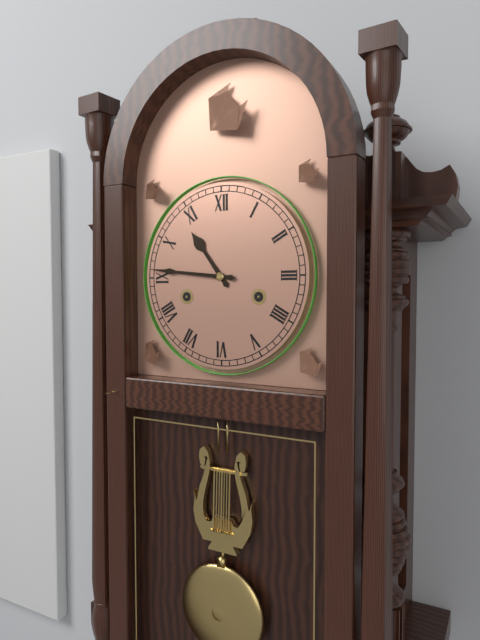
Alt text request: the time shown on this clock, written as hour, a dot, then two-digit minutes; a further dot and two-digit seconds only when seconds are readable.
10.46
